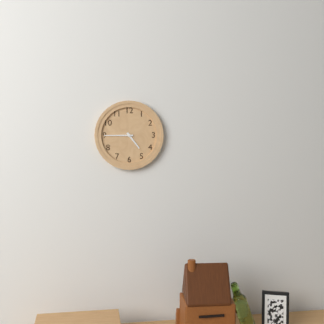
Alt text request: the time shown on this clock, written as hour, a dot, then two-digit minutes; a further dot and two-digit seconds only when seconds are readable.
4.45
